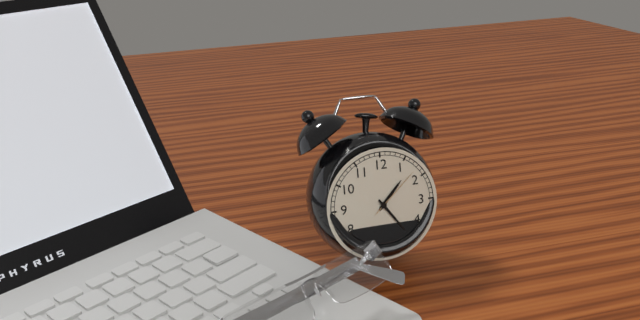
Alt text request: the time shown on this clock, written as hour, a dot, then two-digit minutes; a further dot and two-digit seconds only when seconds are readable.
1.24.08
